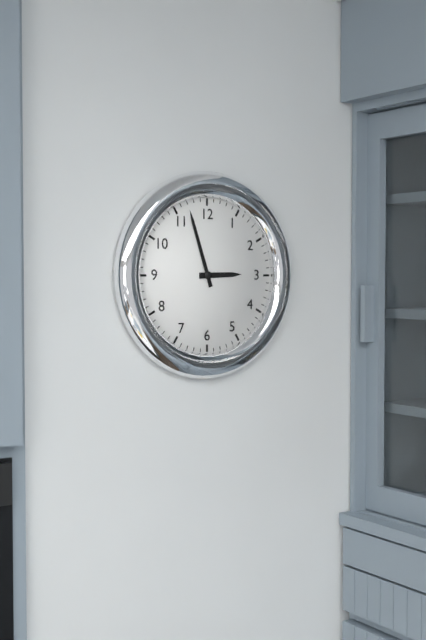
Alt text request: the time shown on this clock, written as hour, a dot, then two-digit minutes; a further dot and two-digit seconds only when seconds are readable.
2.57
